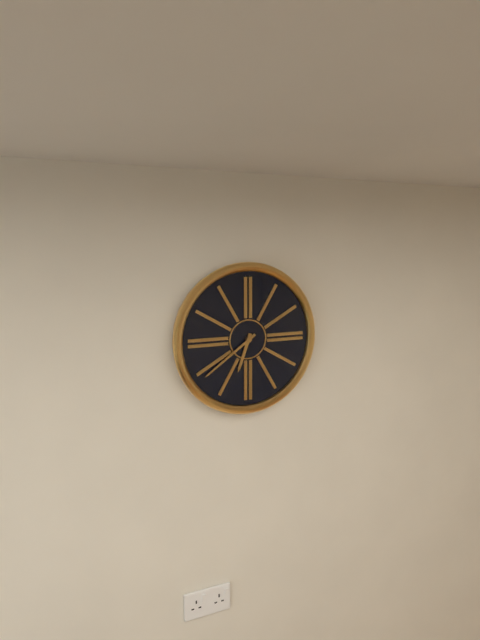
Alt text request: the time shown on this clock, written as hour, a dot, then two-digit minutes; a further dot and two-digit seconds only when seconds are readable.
6.39
